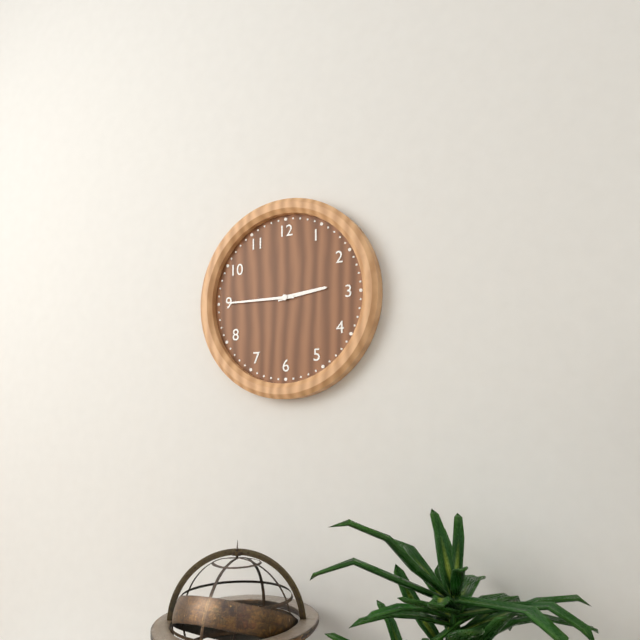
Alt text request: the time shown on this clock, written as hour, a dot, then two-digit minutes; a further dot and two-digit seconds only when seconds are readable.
2.45
